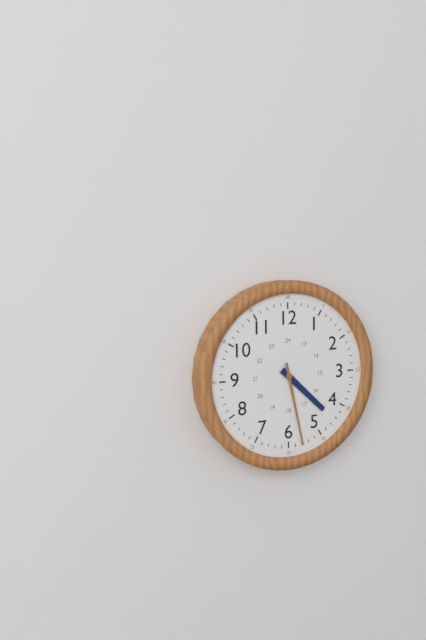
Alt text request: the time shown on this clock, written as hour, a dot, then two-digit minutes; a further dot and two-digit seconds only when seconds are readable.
4.28
